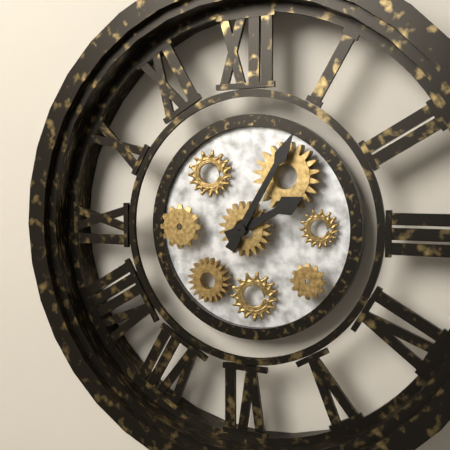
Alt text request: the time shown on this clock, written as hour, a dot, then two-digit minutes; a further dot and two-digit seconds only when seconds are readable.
2.05
